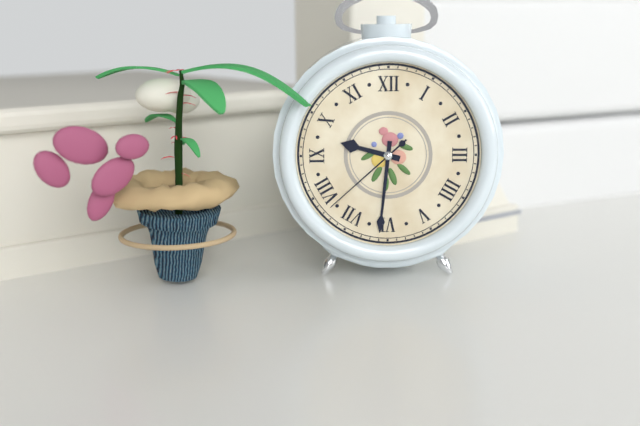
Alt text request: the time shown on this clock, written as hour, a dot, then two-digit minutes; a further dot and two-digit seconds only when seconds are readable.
9.31.38
